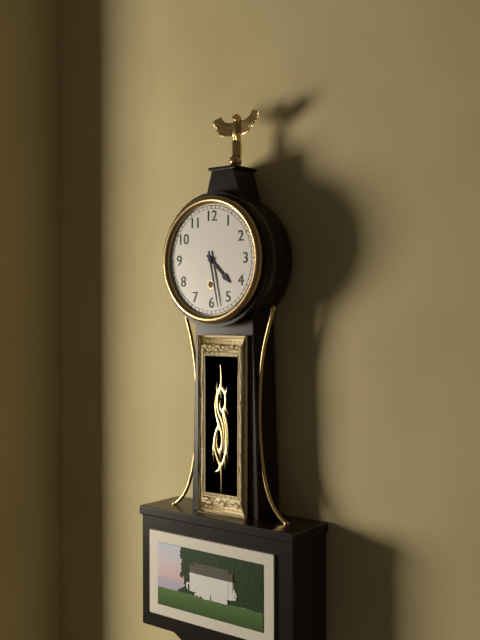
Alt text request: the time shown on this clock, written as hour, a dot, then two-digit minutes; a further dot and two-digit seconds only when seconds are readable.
4.28
